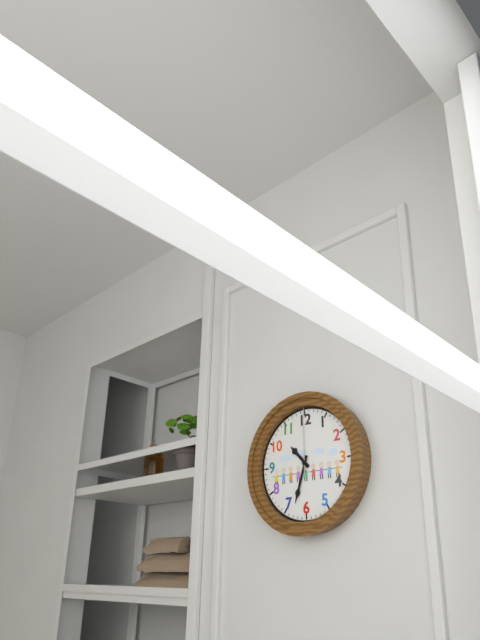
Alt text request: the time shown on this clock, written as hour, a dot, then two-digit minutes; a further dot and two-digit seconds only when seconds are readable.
10.33.00
